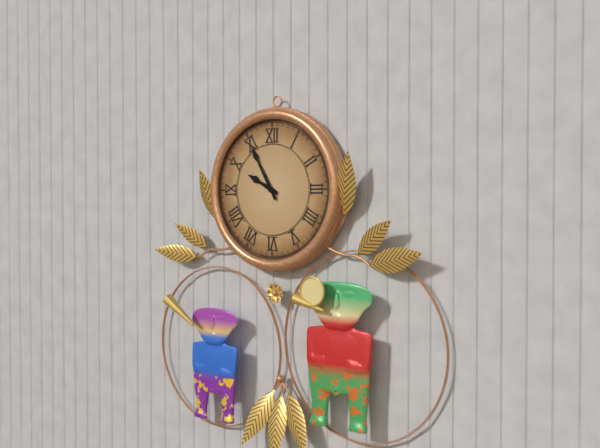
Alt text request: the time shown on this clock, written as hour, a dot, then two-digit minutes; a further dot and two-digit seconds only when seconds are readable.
9.55
